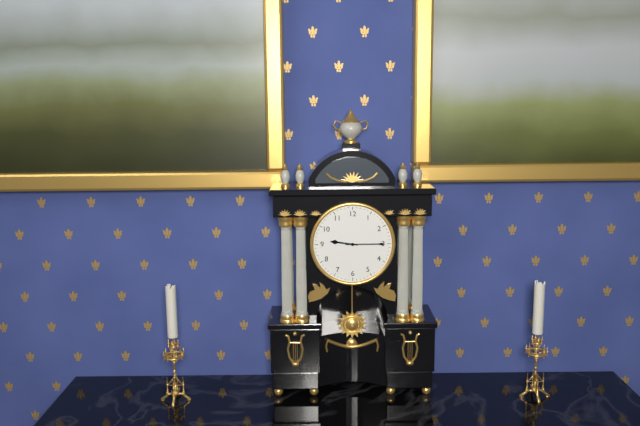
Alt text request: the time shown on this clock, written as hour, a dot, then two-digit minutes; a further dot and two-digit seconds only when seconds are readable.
9.15
